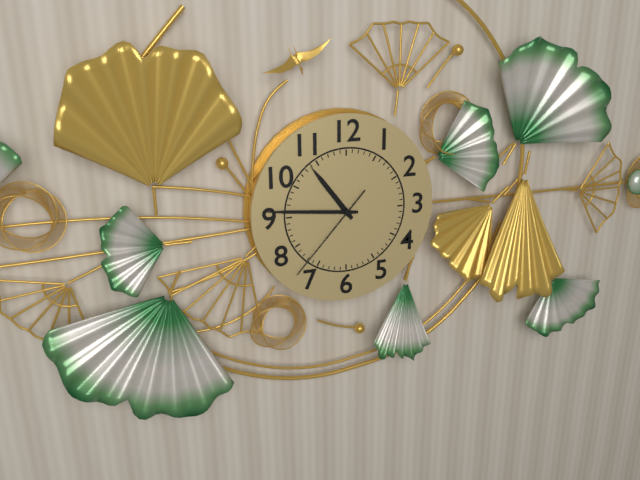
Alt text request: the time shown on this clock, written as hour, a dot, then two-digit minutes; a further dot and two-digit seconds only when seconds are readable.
10.46.37
